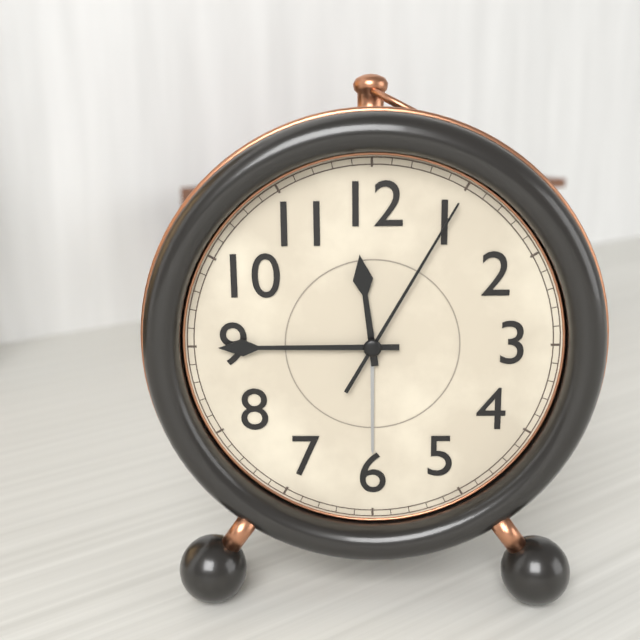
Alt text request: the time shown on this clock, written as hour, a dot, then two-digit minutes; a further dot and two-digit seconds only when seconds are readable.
11.45.05
